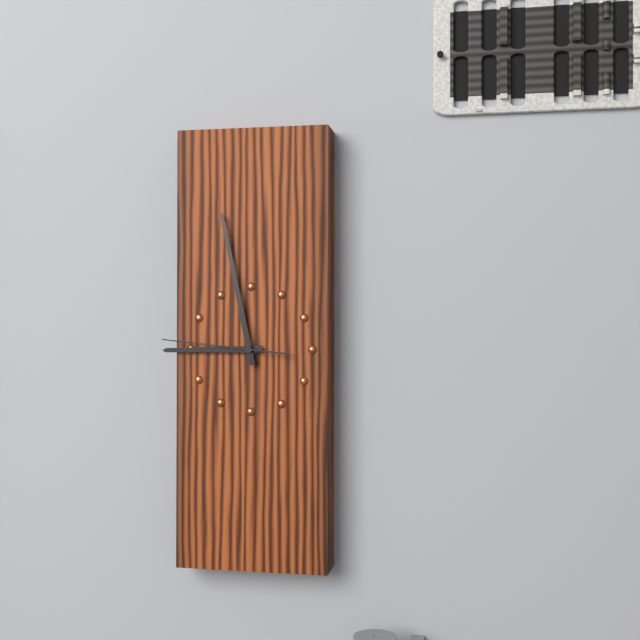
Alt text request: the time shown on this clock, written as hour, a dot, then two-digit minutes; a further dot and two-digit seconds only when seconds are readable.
8.58.46
